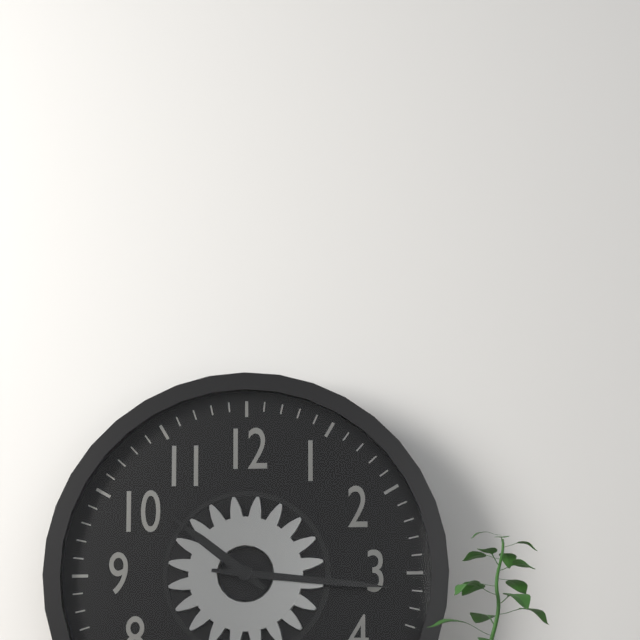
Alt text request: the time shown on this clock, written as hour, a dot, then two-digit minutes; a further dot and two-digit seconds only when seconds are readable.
10.16
